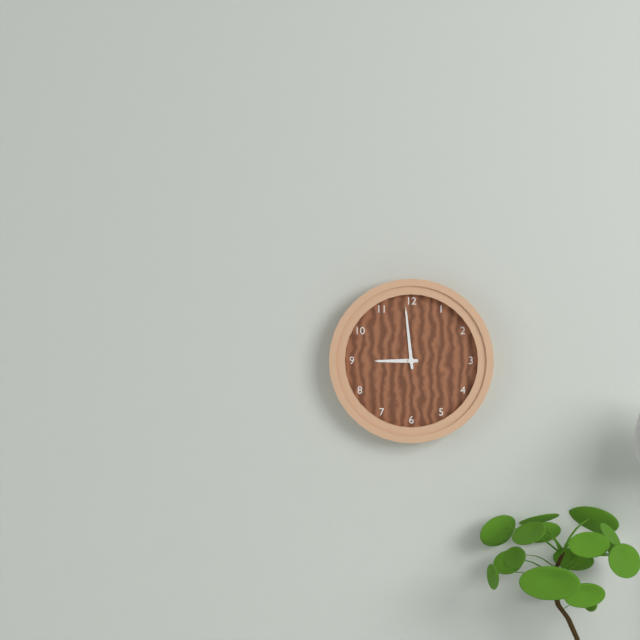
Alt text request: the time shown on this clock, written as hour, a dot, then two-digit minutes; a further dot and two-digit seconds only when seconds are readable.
8.59
